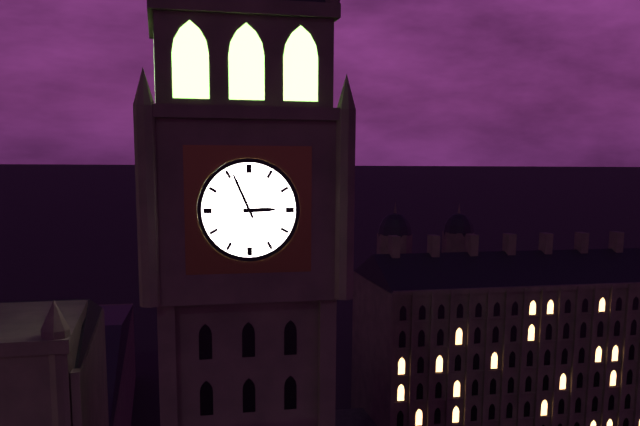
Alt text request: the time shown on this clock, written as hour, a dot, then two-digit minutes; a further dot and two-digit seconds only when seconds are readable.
2.56
